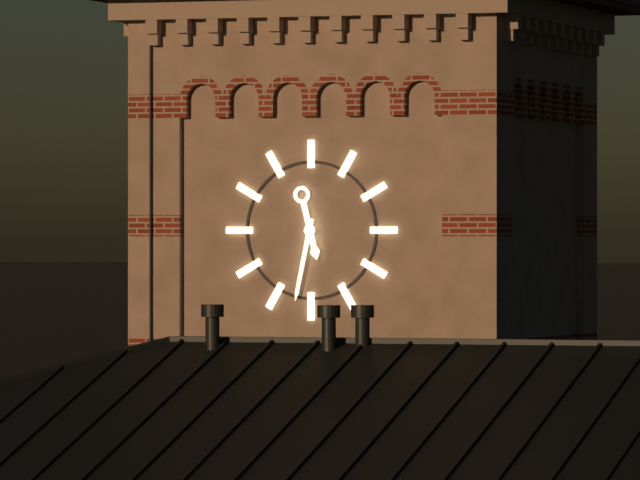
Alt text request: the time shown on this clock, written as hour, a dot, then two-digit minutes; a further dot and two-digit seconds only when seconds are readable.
5.32
